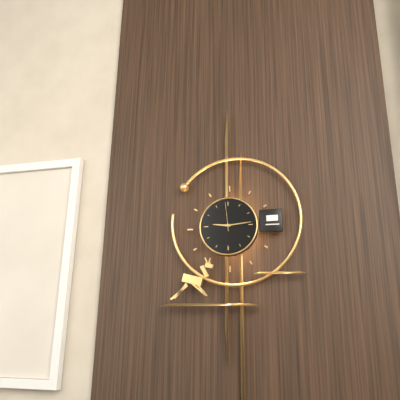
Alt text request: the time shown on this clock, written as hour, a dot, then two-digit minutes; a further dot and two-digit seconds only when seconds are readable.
9.14
